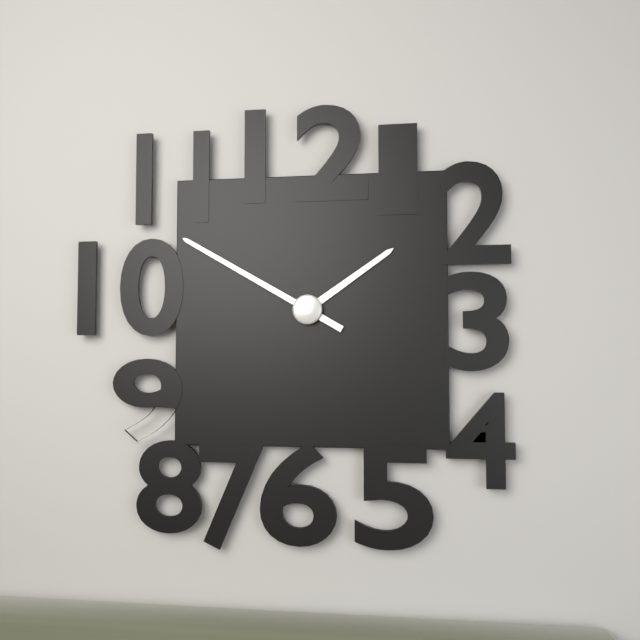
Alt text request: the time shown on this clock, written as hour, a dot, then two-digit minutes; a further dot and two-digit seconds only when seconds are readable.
1.50
